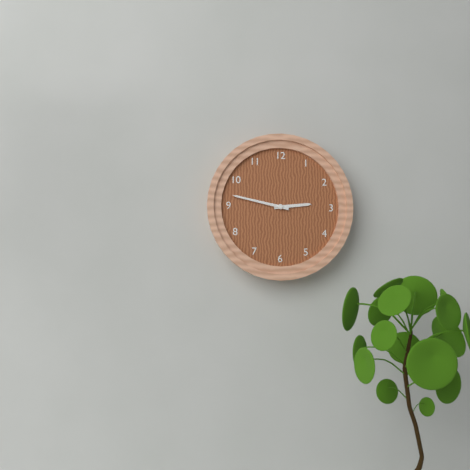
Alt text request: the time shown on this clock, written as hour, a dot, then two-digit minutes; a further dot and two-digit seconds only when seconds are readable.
2.47
